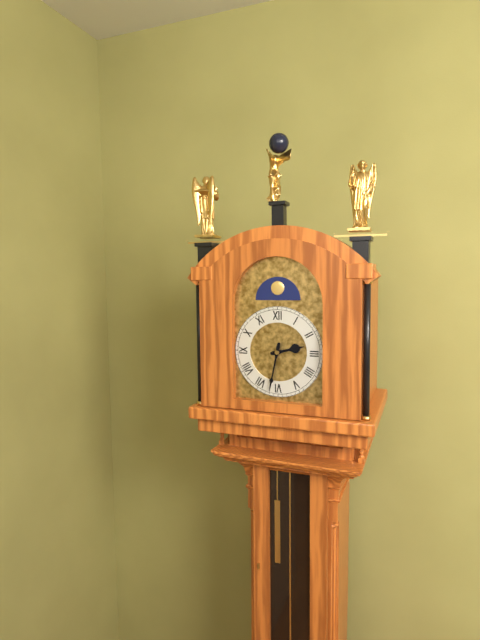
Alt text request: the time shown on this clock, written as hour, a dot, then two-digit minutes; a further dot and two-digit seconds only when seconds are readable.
2.32
